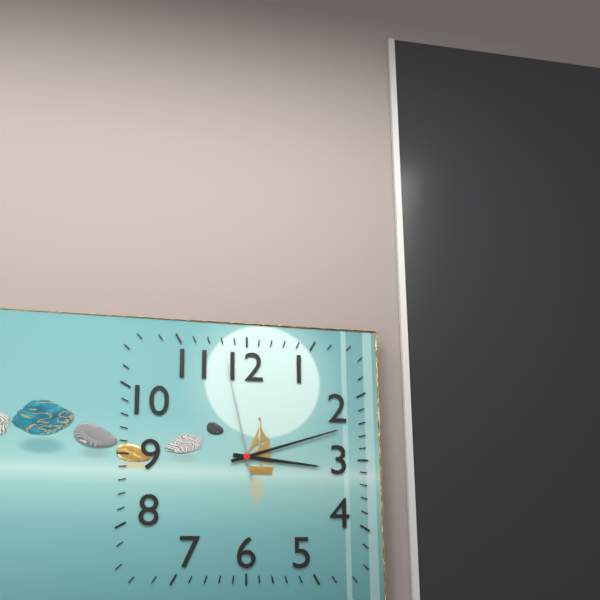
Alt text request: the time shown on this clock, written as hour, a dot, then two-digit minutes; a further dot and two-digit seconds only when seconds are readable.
3.12.58
